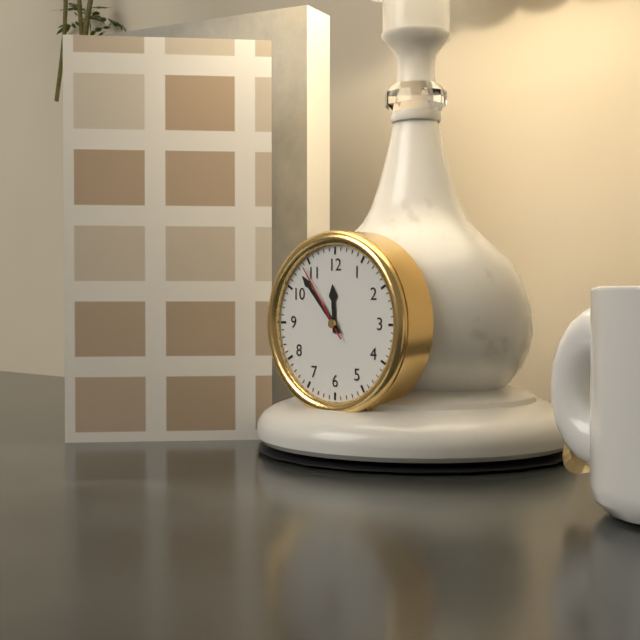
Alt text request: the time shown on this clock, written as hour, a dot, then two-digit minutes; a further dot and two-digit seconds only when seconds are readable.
11.53.54
